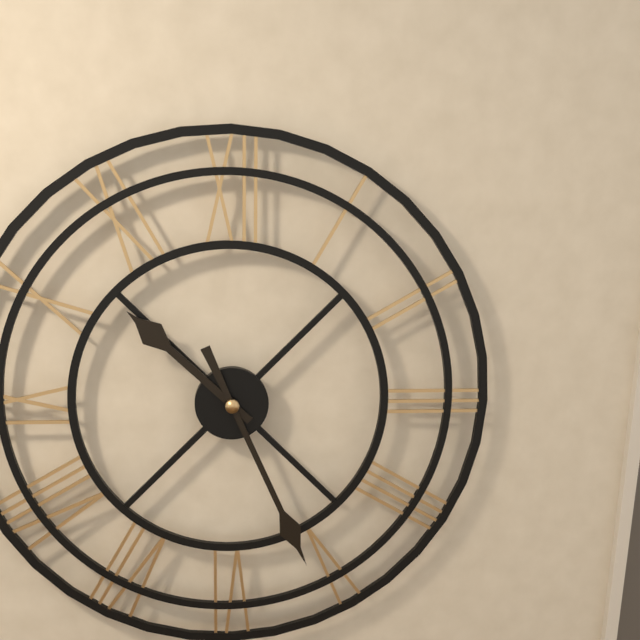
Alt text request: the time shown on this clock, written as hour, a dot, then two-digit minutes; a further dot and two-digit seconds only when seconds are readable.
10.26
